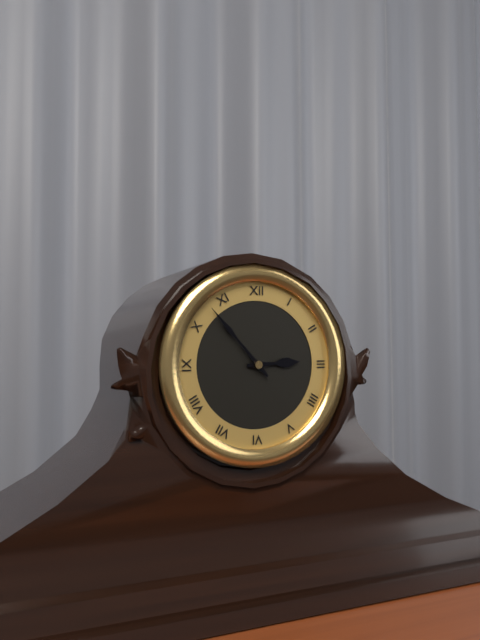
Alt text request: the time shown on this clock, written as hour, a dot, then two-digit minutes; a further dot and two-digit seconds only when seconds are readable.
2.53
